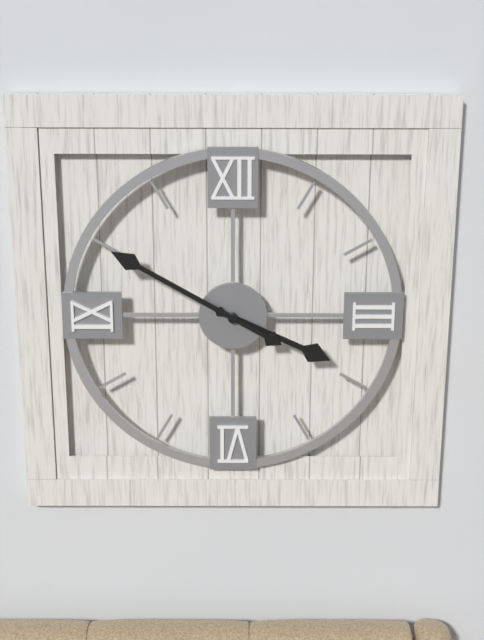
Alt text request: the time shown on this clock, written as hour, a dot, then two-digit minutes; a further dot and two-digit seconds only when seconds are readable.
3.50
